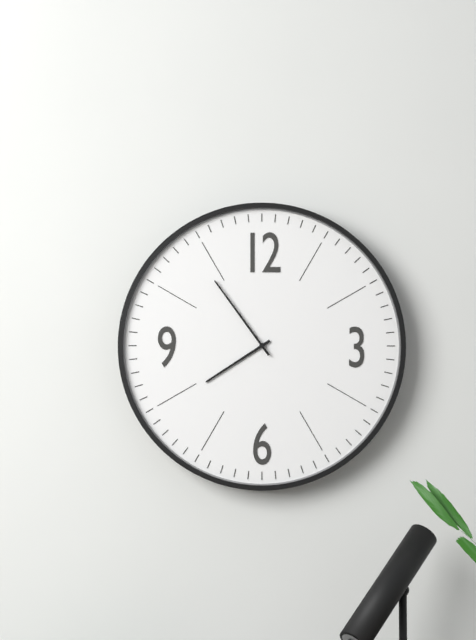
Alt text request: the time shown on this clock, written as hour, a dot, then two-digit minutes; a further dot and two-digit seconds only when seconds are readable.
7.54
